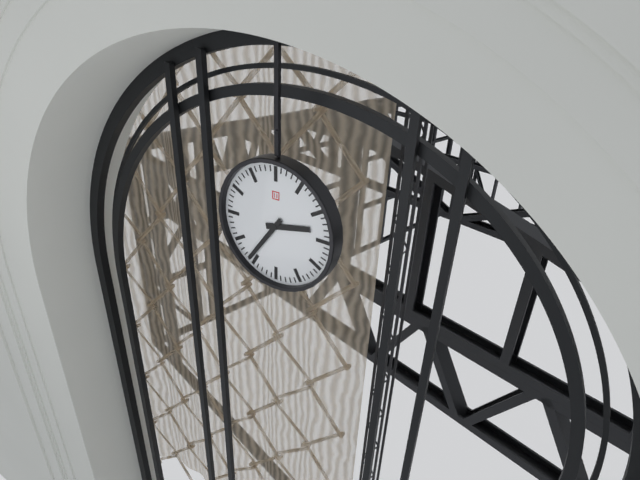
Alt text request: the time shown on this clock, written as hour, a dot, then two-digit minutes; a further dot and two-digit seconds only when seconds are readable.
2.36
